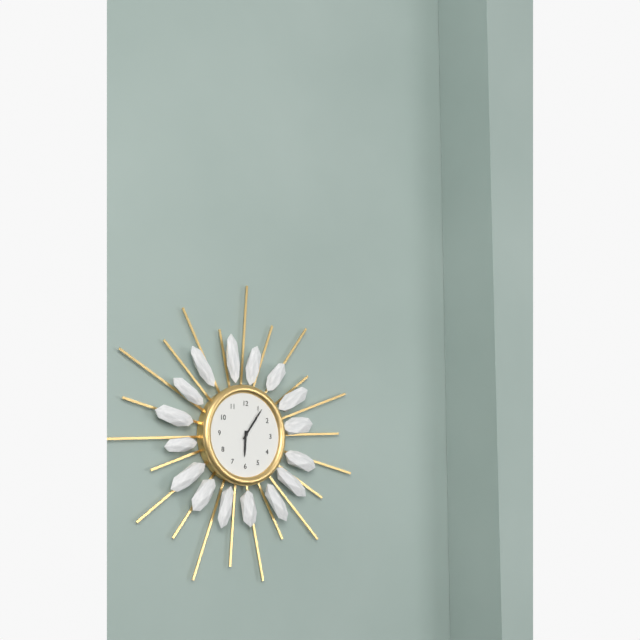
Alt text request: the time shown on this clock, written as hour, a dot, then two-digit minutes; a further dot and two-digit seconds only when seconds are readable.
6.06
